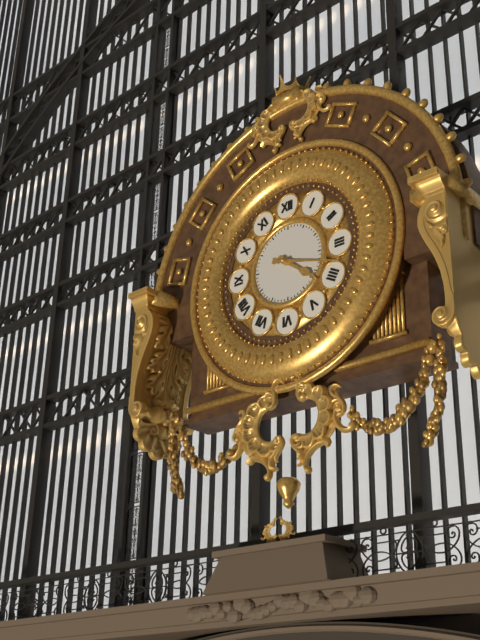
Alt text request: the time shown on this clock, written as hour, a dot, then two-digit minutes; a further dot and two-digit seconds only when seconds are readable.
4.18
